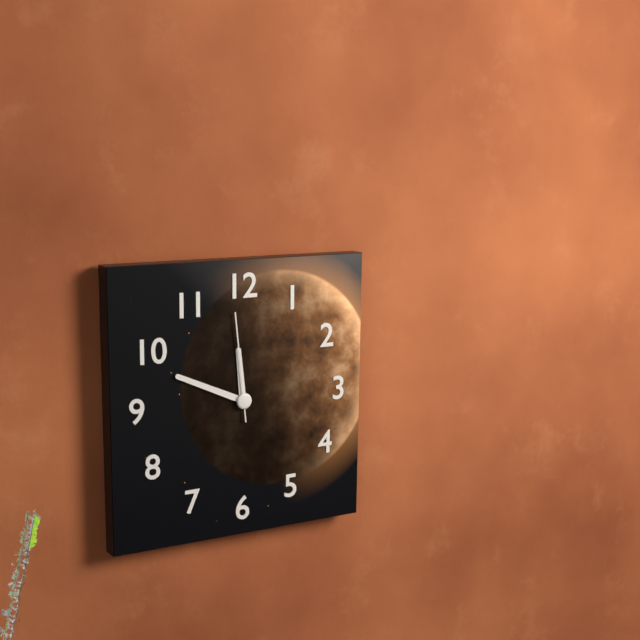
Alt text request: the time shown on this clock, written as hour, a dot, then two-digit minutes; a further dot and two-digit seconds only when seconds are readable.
11.49.59
